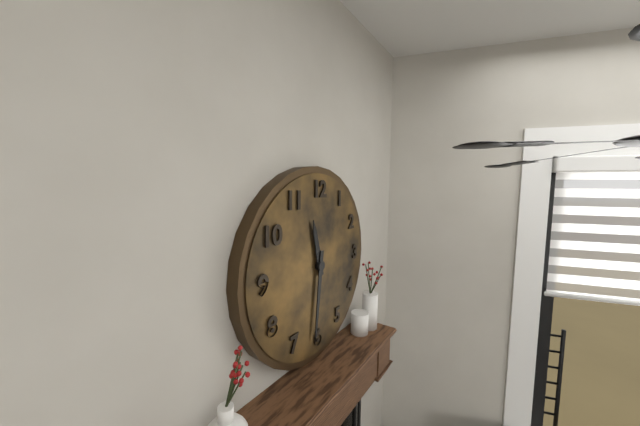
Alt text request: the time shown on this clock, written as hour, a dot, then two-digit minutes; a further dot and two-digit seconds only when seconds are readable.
11.31
